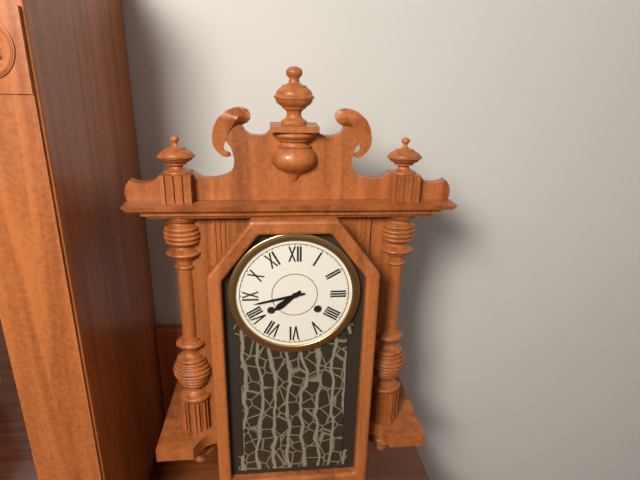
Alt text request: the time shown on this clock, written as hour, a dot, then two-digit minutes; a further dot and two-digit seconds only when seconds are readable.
7.43
